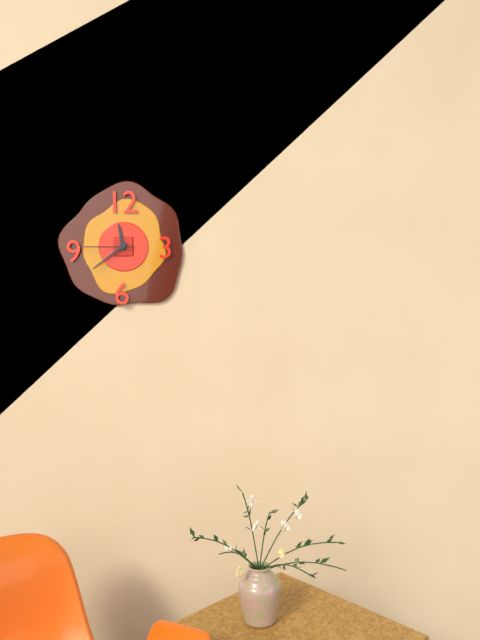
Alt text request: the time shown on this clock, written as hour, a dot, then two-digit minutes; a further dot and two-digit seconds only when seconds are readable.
11.39.45
